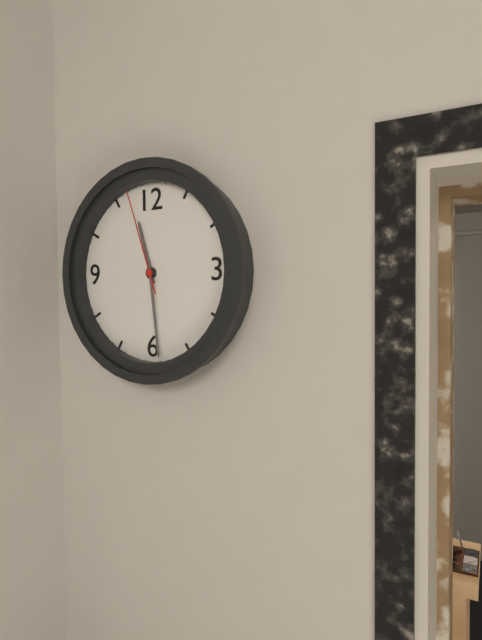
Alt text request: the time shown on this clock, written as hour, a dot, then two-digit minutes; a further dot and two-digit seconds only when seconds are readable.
11.29.57
